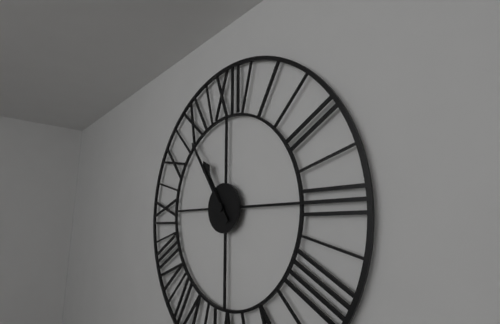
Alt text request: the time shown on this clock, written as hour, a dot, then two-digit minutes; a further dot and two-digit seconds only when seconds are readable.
10.54
